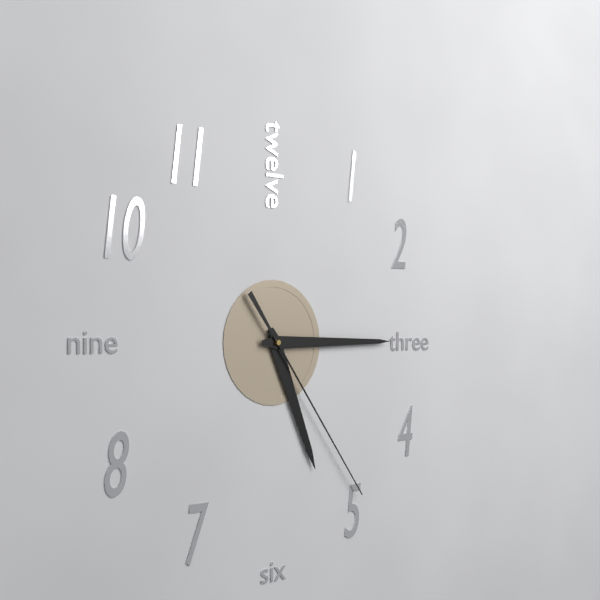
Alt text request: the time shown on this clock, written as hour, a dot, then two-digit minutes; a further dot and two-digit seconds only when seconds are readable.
5.15.24
